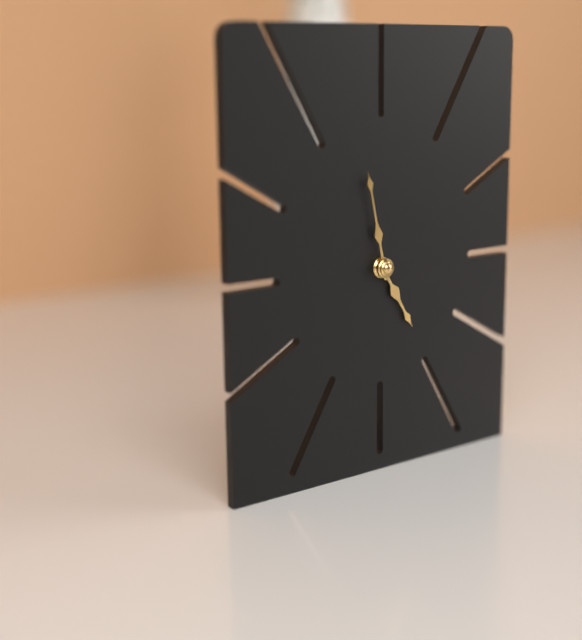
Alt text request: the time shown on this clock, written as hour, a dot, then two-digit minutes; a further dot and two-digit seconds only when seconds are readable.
4.58
